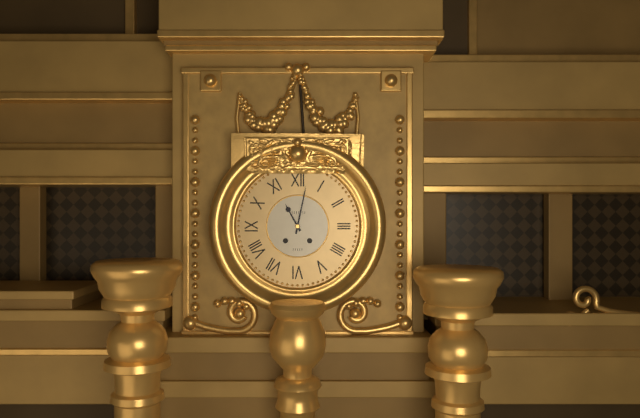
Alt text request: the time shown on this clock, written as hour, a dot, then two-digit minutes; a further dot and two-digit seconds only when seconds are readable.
11.02
